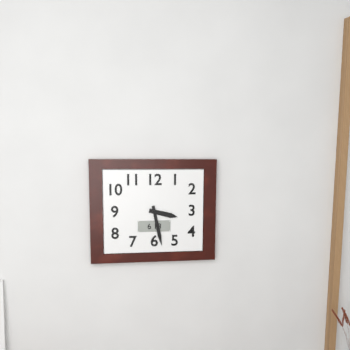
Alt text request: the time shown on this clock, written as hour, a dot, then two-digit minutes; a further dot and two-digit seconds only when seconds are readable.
3.28
